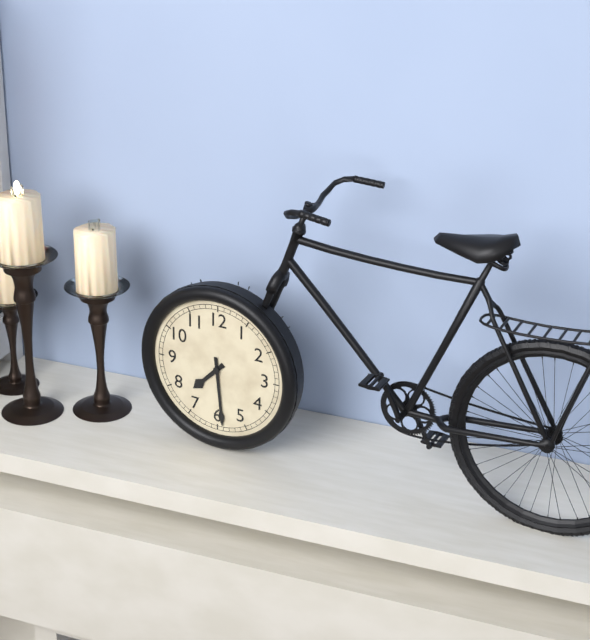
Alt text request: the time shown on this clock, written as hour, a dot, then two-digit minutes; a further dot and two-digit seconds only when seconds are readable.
7.29
